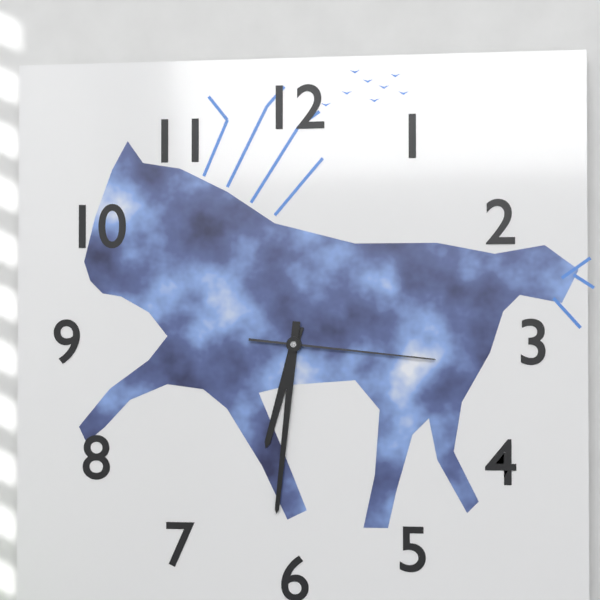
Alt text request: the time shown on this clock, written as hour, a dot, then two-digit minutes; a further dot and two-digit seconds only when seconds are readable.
6.31.16
